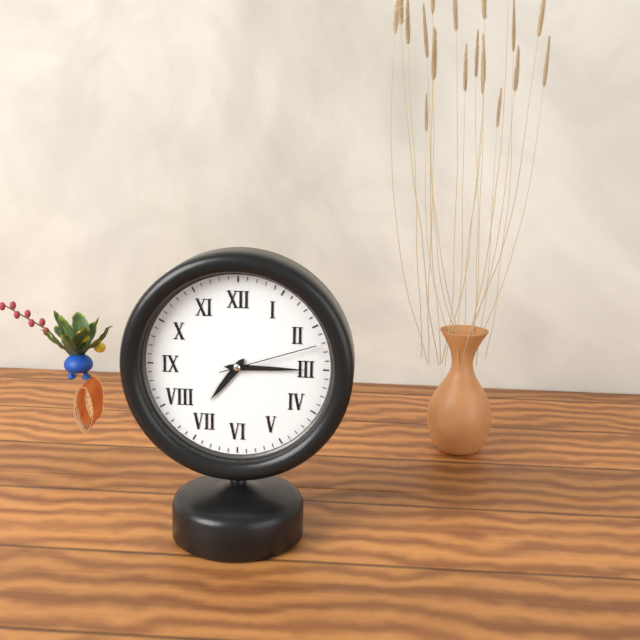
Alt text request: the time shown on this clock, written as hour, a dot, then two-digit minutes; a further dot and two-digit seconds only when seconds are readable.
7.15.12
